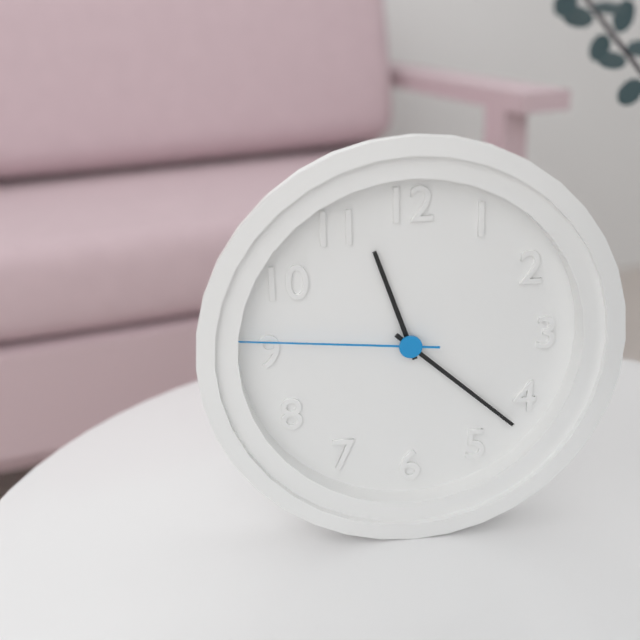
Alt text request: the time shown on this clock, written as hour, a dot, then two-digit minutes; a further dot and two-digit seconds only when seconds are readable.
11.22.46
